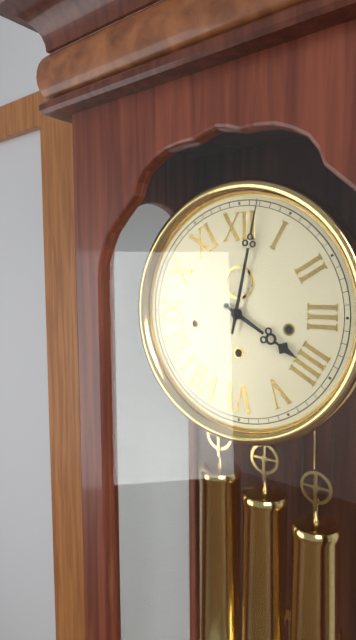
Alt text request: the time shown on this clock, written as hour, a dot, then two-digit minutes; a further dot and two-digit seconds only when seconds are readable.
4.02
